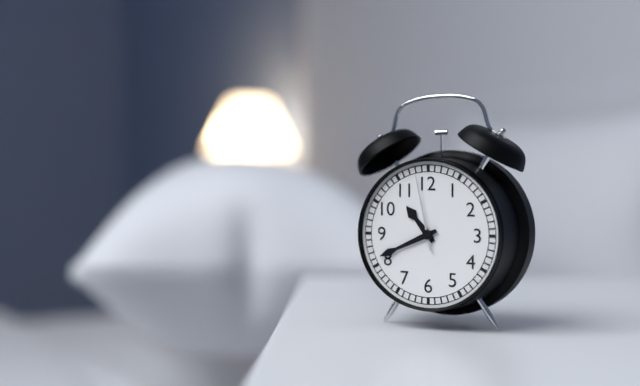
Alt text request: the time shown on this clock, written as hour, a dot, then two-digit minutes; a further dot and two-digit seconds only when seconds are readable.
10.41.58
